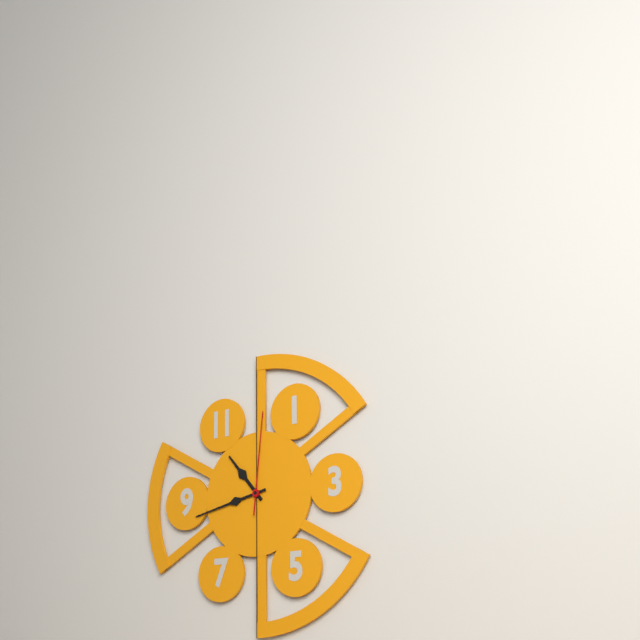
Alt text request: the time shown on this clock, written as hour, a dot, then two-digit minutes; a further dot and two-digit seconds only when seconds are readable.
10.43.01
